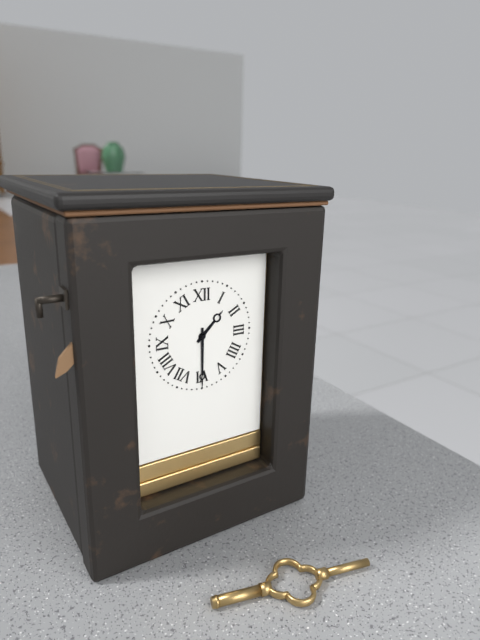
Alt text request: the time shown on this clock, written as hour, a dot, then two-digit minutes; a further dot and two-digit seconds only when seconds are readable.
1.30
